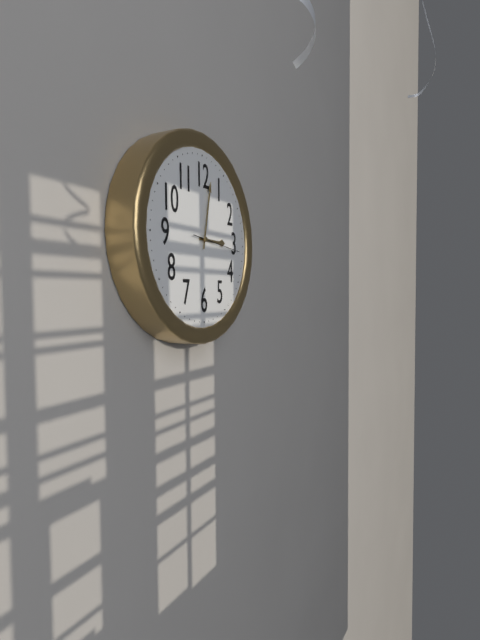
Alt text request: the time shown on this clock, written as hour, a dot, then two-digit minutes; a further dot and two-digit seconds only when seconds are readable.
3.02
